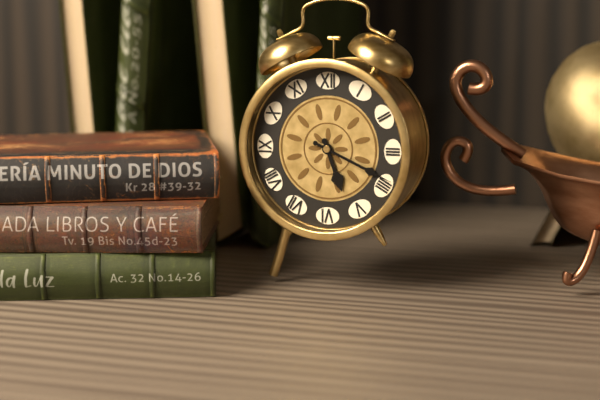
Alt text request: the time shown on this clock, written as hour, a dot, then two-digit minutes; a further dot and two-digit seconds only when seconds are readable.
5.19
